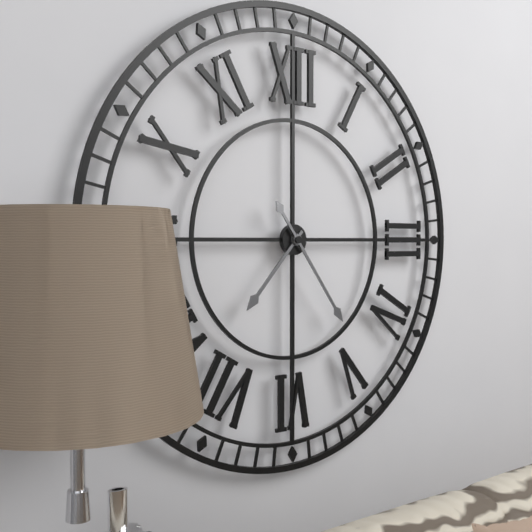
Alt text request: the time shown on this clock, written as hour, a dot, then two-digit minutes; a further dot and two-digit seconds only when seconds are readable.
7.24
